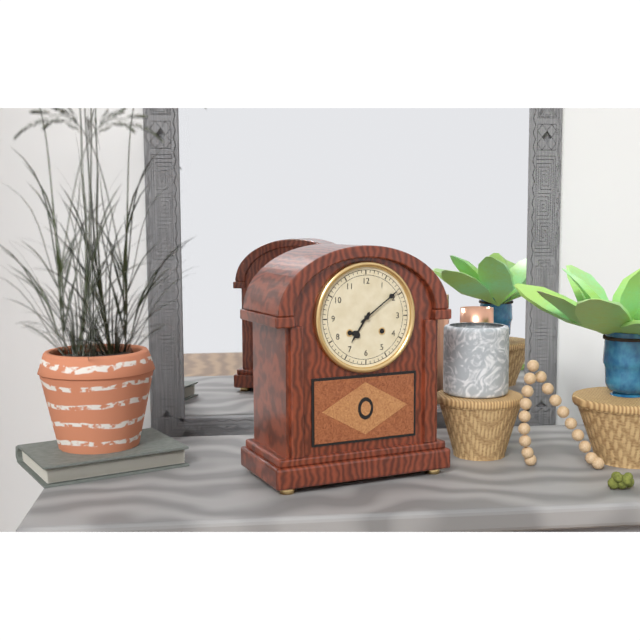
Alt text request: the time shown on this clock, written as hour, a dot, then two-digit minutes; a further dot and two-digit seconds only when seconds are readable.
7.09
